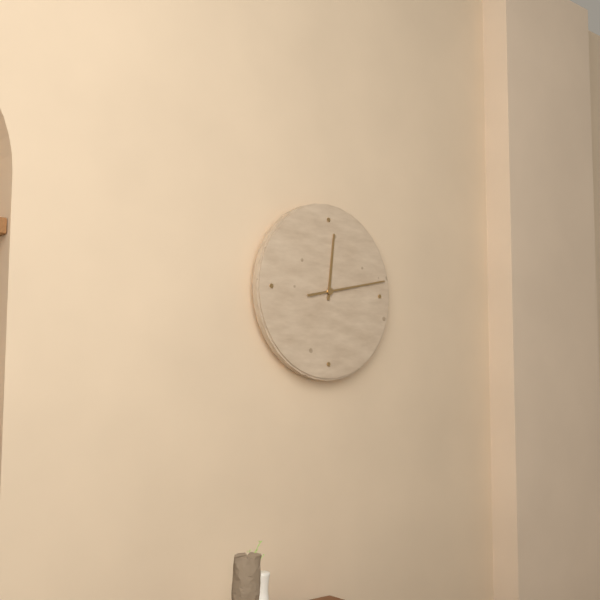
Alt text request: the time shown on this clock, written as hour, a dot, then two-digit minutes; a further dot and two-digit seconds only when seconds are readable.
12.13
